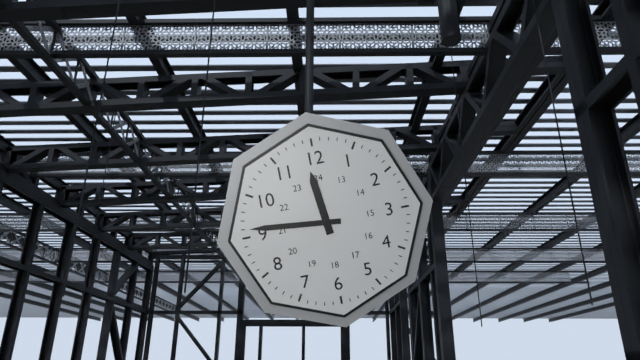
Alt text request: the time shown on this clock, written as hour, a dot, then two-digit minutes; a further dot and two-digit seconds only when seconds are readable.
11.46
